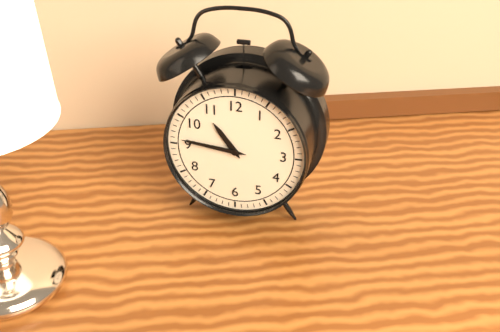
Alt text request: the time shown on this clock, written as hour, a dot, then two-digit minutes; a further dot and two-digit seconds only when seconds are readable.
10.46
